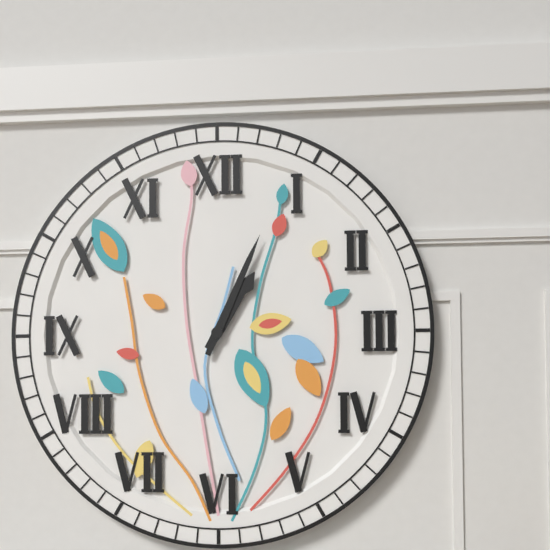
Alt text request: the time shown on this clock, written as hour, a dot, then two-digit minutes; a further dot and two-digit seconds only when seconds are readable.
1.04
